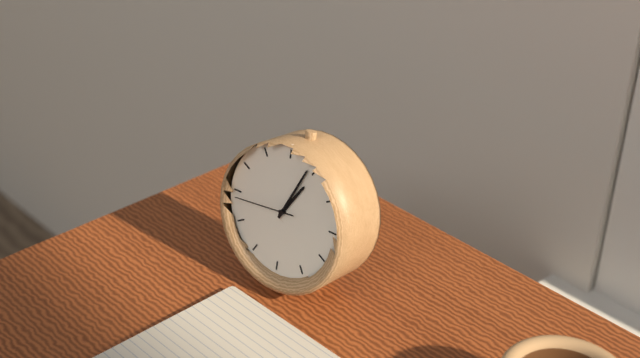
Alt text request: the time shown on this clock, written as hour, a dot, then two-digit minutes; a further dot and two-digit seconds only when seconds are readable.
1.04.44
